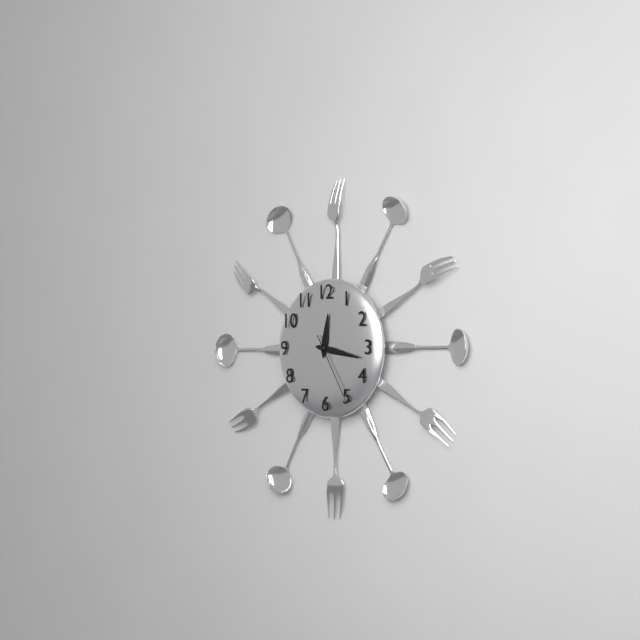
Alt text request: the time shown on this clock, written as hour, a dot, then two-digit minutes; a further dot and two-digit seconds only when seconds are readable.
12.17.25
